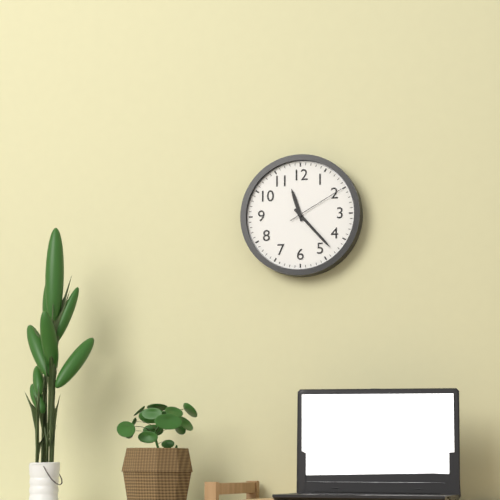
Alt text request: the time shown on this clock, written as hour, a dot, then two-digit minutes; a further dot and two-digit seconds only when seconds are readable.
11.23.10
